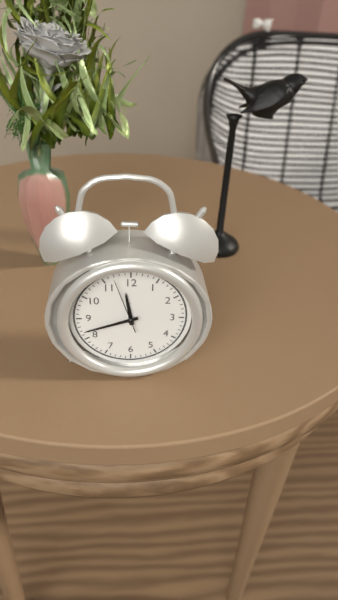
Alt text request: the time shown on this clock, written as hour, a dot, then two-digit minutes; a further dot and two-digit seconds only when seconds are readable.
11.42.57
